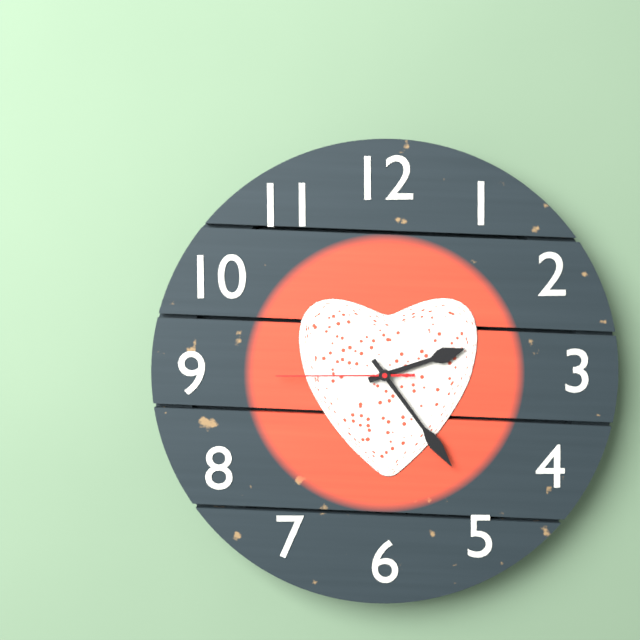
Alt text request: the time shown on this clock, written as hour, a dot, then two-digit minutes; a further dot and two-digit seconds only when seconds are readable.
2.24.45
